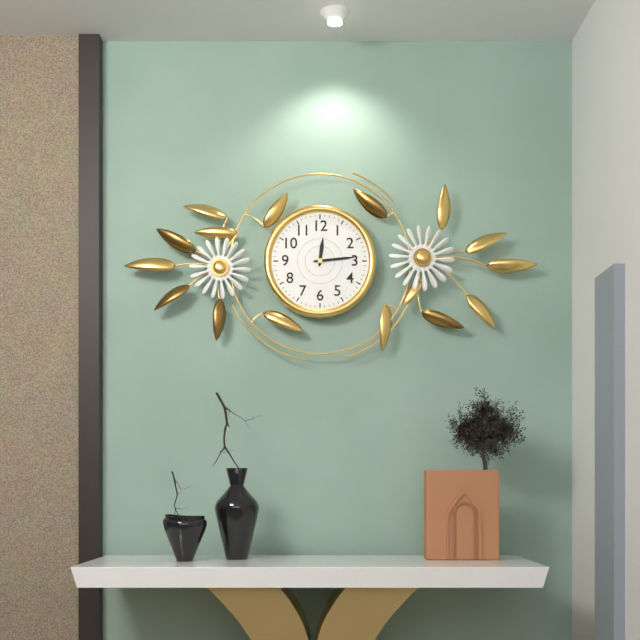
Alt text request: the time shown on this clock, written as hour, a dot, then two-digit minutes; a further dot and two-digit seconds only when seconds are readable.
12.14
